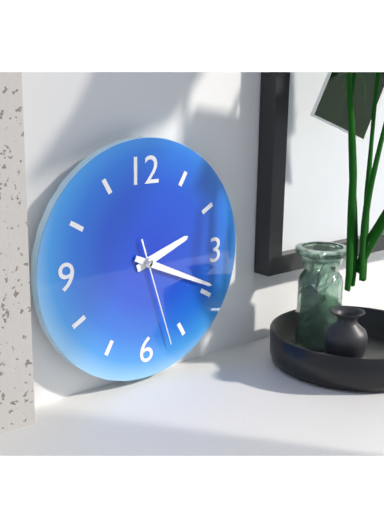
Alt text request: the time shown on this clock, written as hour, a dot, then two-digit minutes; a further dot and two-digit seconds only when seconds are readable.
2.19.27
